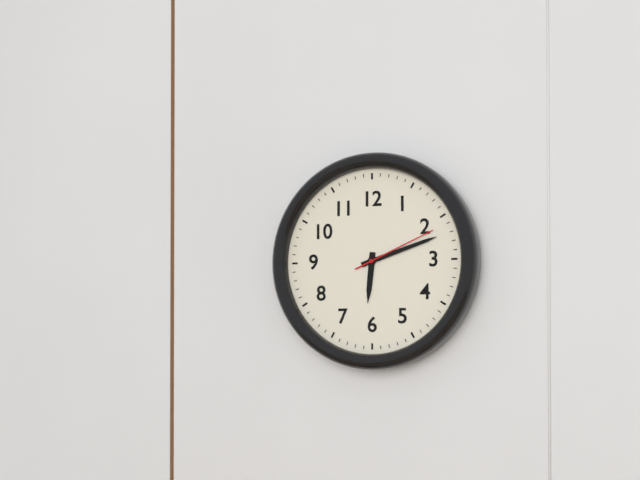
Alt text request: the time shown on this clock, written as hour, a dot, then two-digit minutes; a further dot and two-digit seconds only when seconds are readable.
6.12.11
